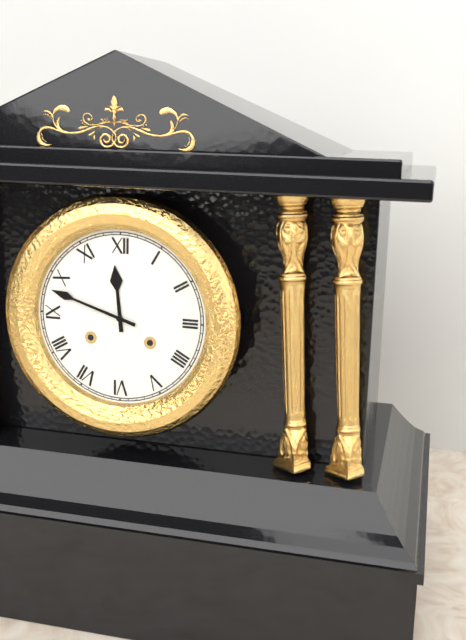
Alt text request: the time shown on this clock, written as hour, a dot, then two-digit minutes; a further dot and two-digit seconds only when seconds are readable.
11.48
